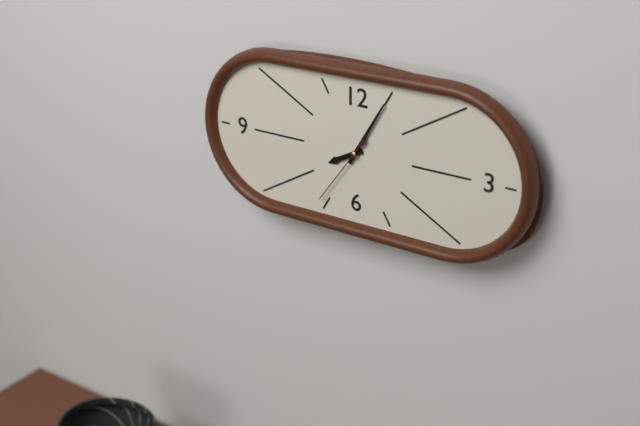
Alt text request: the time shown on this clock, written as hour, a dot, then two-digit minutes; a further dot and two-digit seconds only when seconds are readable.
8.05.36
